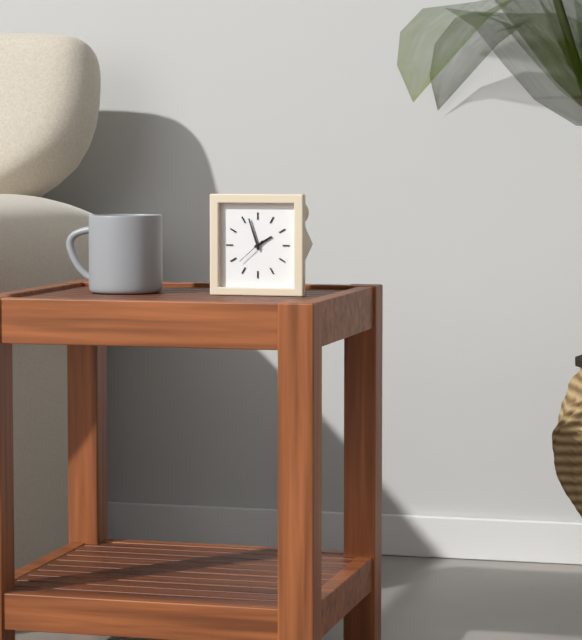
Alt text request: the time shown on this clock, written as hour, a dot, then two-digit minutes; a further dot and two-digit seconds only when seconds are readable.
1.57
